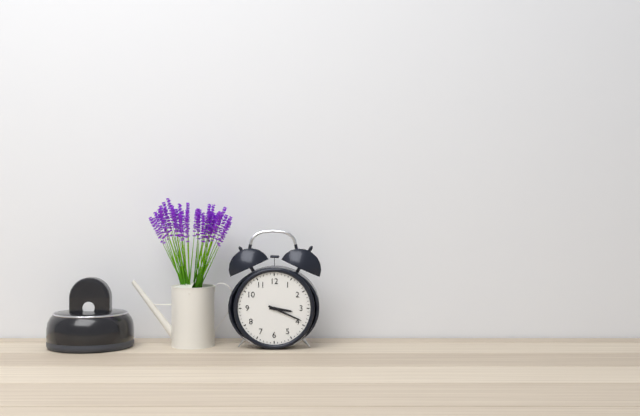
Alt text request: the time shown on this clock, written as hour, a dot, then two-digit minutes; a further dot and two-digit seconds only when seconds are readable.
3.19
